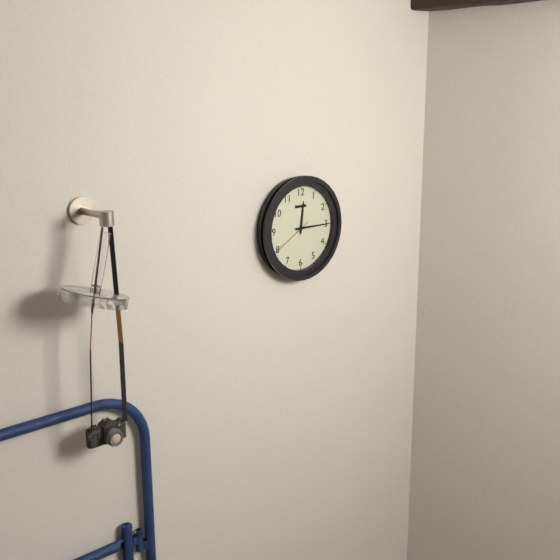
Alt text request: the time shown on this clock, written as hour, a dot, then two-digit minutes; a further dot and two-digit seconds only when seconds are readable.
12.15
